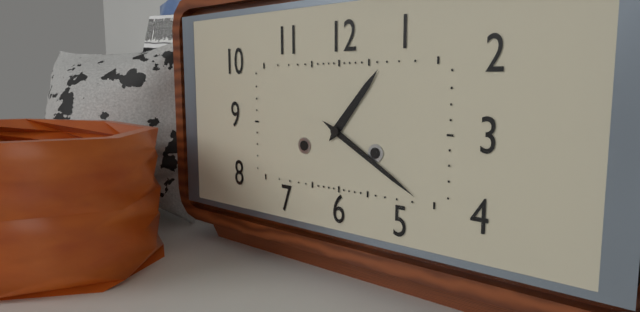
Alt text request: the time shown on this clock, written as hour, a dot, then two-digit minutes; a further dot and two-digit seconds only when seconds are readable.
1.20
